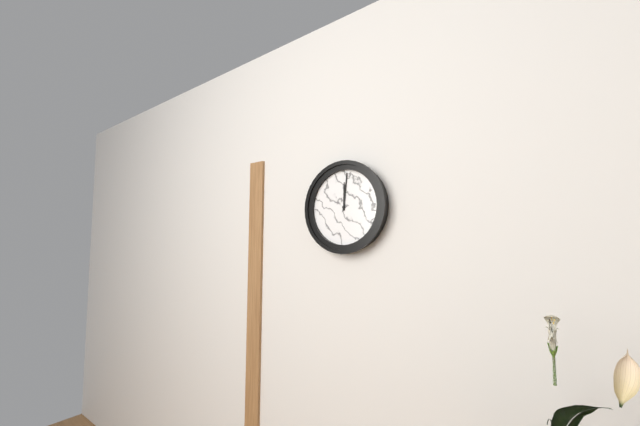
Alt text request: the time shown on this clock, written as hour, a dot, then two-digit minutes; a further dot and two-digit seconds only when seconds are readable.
12.01
